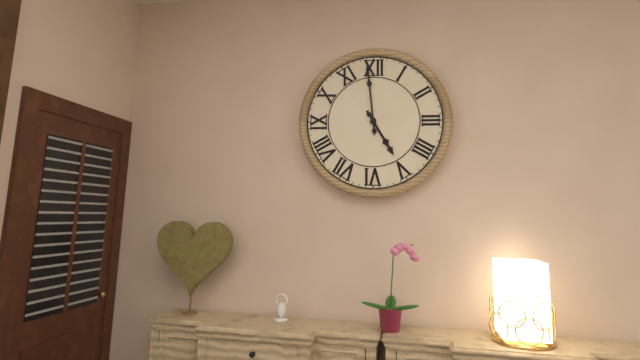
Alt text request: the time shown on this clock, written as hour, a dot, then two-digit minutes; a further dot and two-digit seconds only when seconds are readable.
4.59
